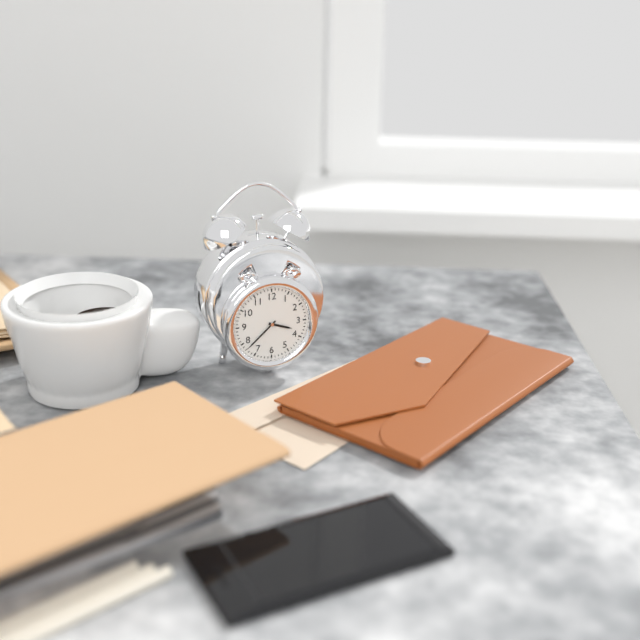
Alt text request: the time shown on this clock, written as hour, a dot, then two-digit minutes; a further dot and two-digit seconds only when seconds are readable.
3.38
